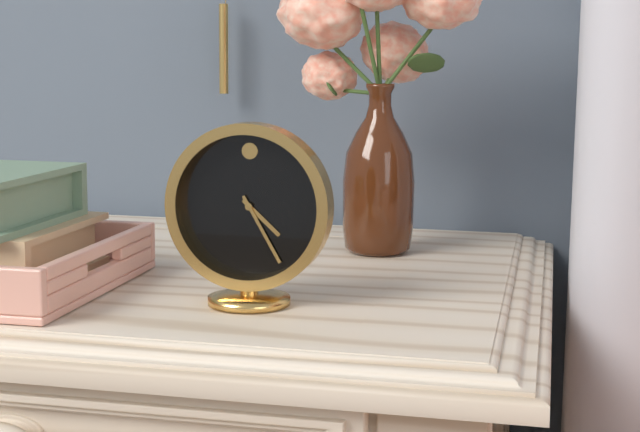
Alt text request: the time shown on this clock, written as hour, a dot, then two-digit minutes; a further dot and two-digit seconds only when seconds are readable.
4.25
